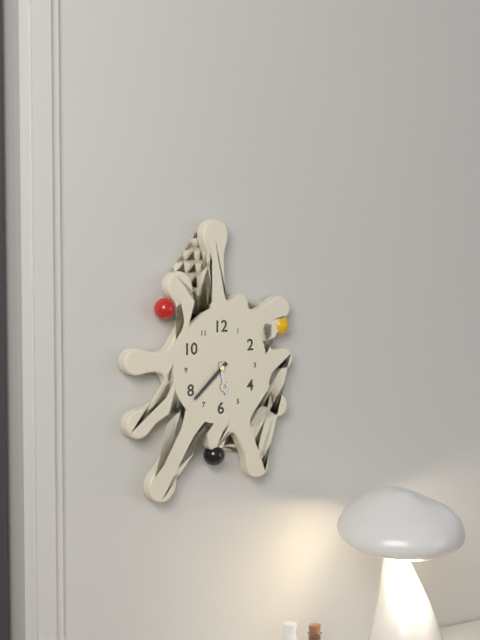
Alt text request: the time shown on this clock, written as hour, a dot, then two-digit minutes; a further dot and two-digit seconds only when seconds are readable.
5.38
